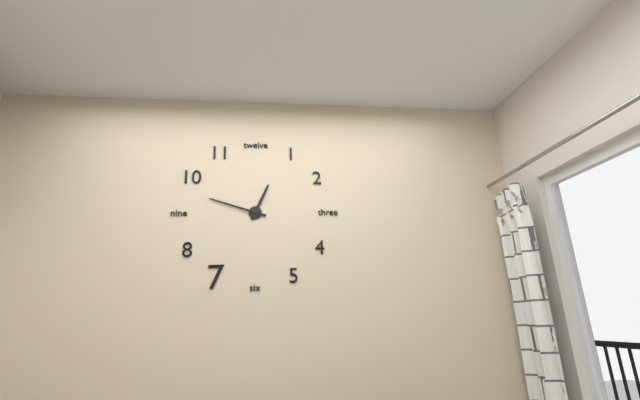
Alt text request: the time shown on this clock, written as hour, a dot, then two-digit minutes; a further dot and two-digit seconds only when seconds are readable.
12.48
